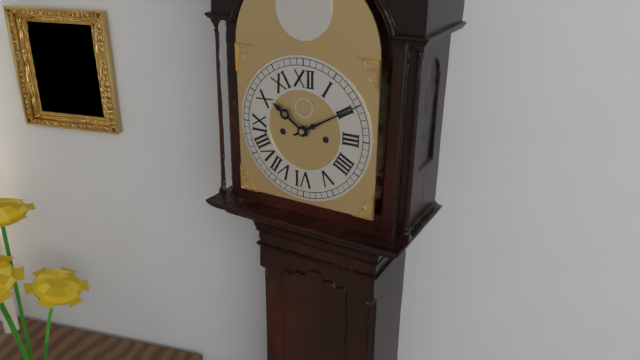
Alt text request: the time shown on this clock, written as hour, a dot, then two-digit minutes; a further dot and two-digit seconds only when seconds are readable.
10.10
